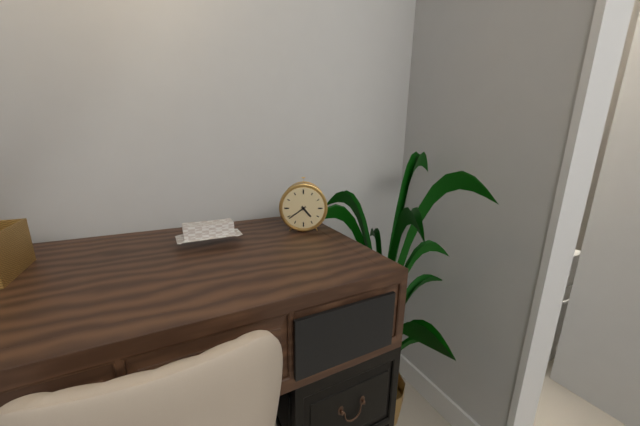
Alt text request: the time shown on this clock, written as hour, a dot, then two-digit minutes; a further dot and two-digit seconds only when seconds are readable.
4.39
